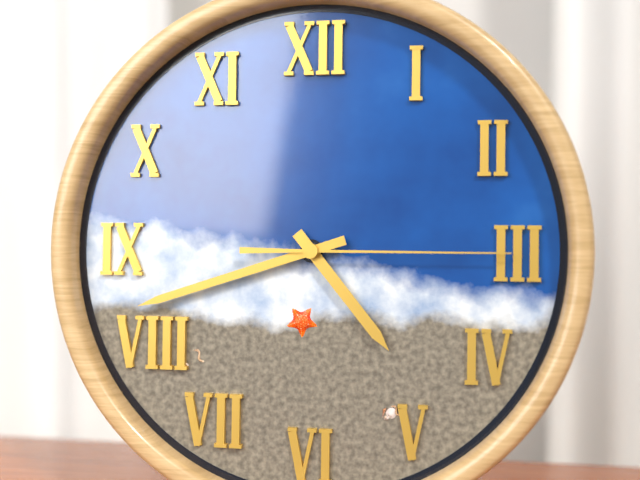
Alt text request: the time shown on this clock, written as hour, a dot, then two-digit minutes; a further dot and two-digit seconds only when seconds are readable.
4.42.15
